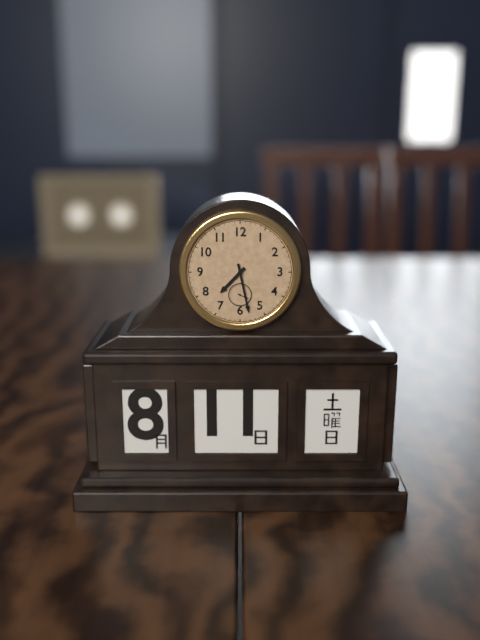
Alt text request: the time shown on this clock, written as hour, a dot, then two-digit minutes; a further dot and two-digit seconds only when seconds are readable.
7.28
